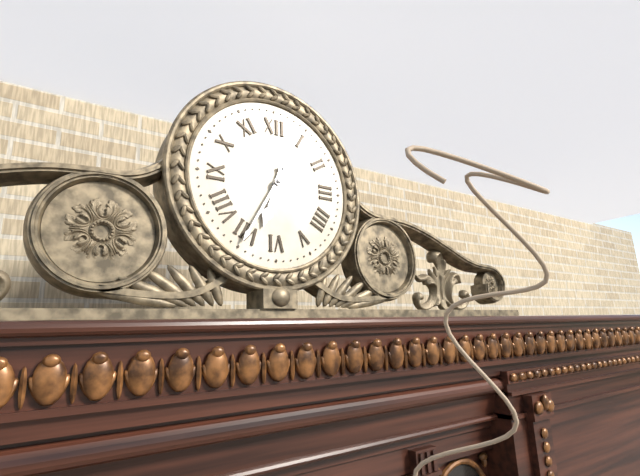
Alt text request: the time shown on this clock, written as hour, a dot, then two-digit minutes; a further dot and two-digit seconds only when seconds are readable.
6.35
